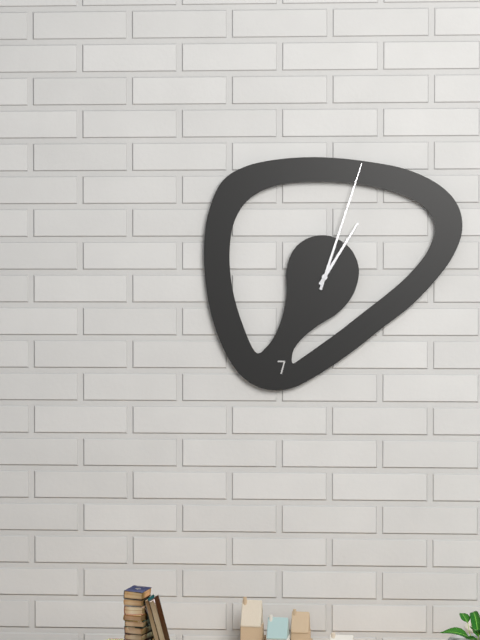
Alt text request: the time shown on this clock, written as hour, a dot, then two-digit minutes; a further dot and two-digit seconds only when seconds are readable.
1.03
